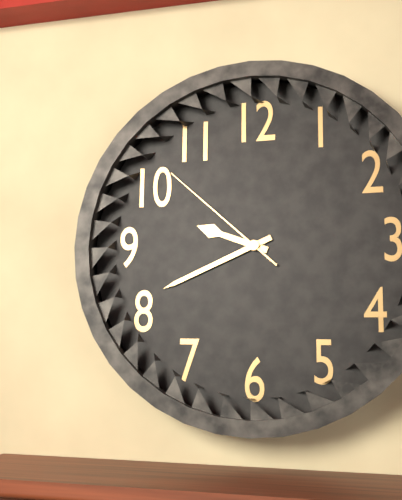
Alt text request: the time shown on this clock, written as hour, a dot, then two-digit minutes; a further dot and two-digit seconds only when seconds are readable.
9.41.52
